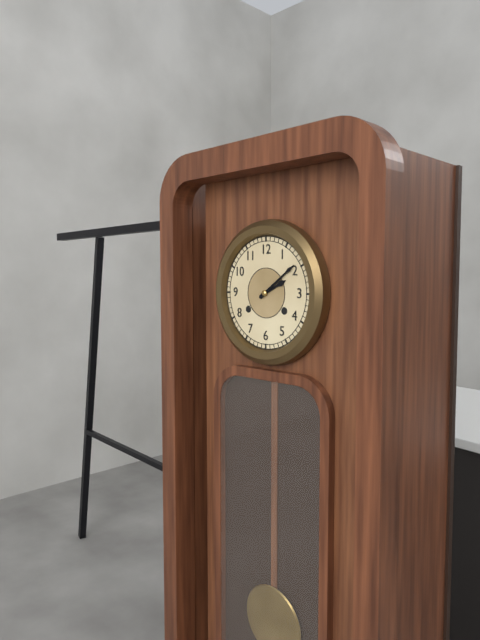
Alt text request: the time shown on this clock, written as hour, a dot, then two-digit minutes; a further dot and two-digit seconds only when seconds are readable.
2.09
